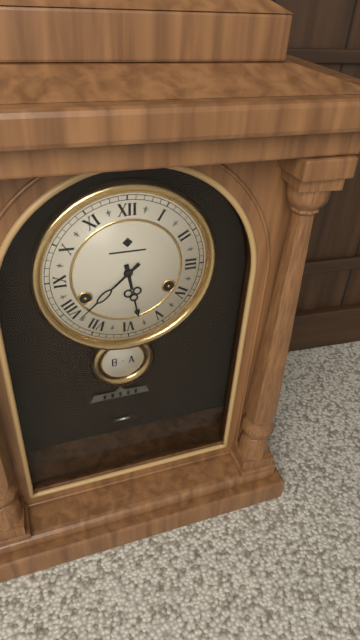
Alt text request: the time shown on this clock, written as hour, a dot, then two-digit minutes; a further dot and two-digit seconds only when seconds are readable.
5.38
